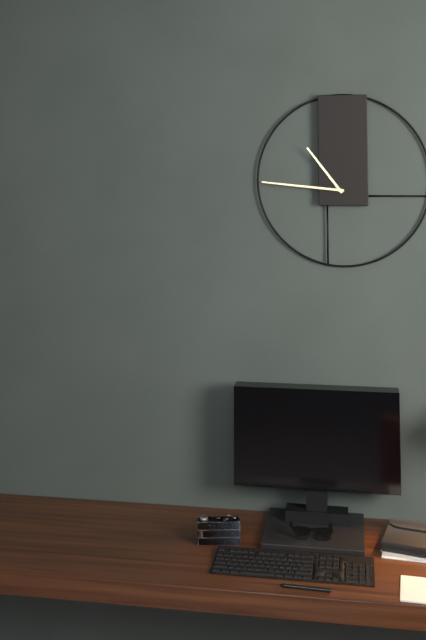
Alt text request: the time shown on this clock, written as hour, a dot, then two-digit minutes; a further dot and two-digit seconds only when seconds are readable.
10.46
